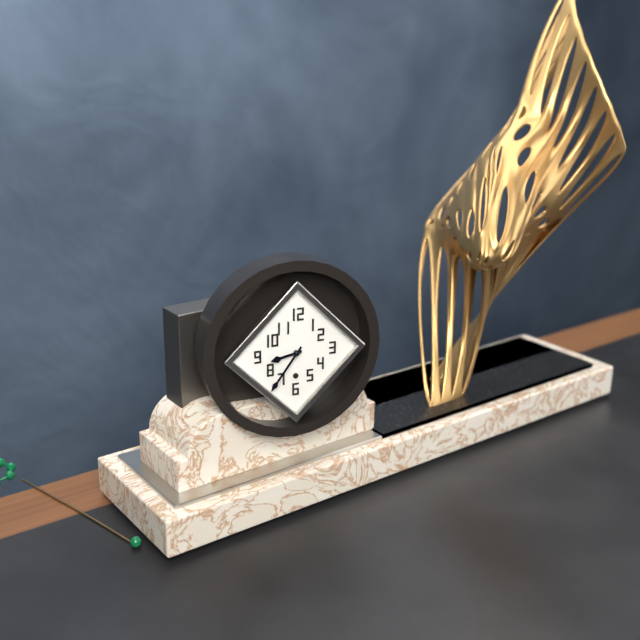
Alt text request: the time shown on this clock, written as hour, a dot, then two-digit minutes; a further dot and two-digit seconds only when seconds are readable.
8.36
